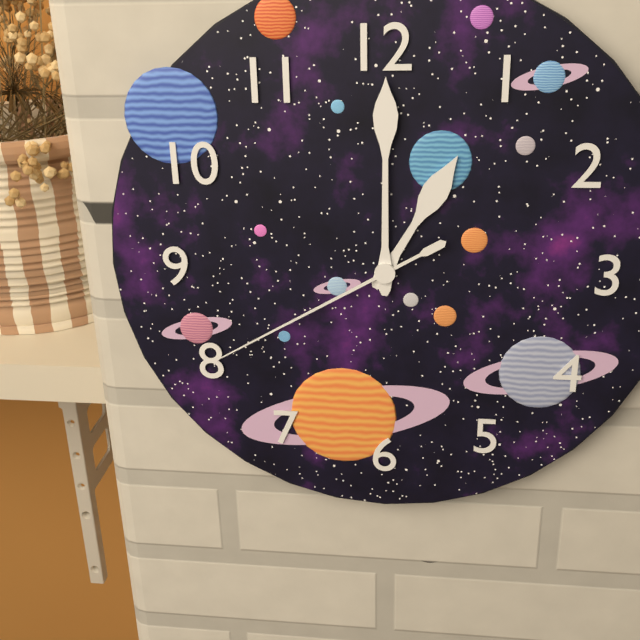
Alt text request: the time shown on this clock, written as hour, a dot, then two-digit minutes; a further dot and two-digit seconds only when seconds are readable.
1.00.40
